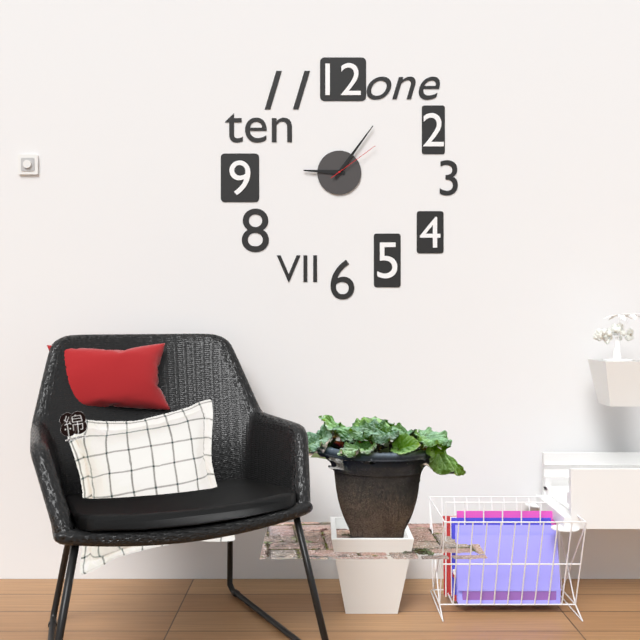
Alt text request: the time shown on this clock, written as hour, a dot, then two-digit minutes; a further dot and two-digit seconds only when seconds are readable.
9.06.09
